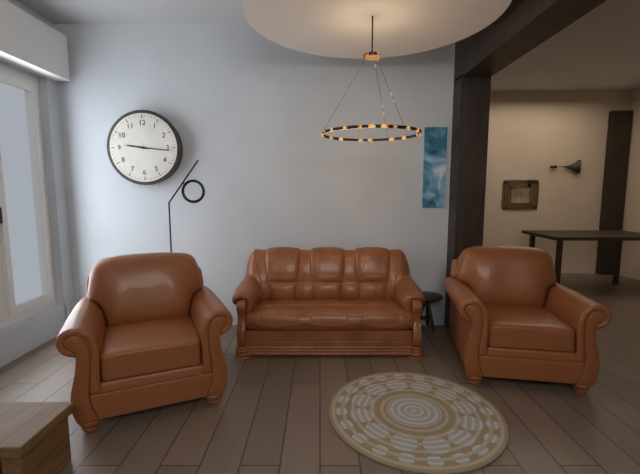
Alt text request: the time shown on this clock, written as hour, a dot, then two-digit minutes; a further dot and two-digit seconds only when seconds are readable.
9.16
